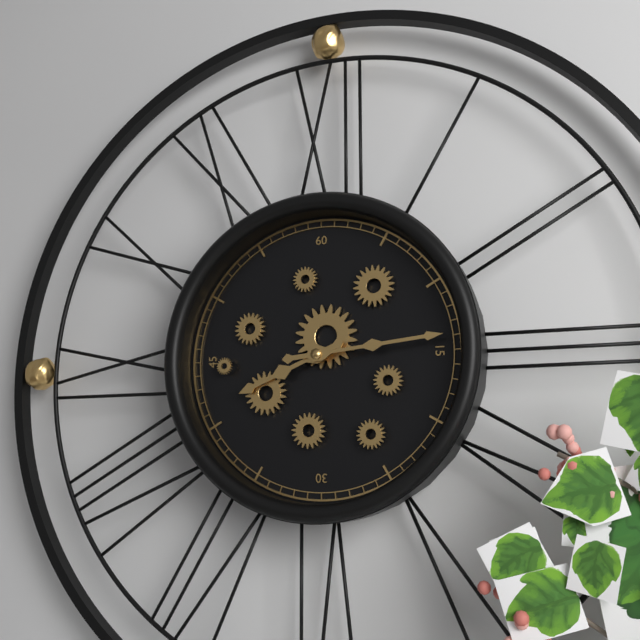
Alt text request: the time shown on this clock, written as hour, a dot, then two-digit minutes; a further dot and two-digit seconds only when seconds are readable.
8.14
